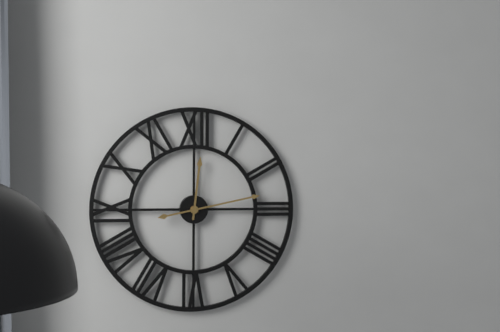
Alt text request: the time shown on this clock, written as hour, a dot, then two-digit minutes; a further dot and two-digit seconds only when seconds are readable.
12.13
